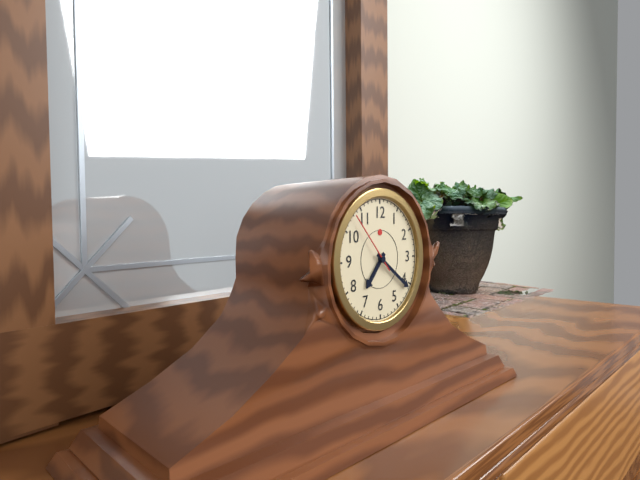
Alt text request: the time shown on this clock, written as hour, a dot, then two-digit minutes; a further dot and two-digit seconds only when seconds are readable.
7.21.53
